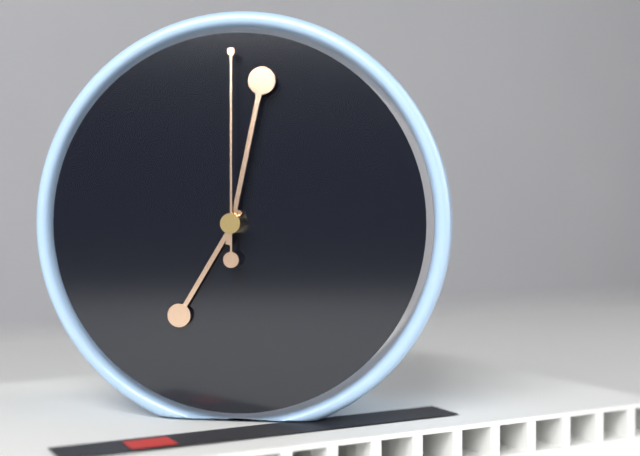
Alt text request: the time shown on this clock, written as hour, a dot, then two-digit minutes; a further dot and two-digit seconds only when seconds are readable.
7.02.00
